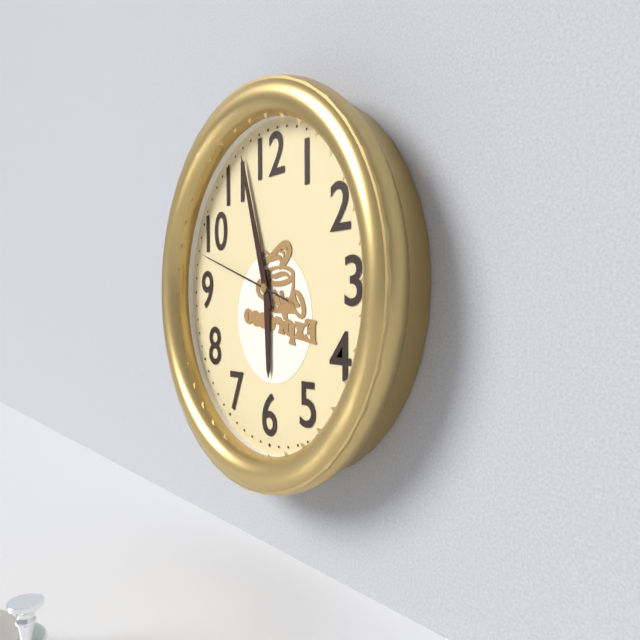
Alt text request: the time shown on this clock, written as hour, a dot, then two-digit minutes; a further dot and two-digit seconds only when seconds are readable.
5.57.48
